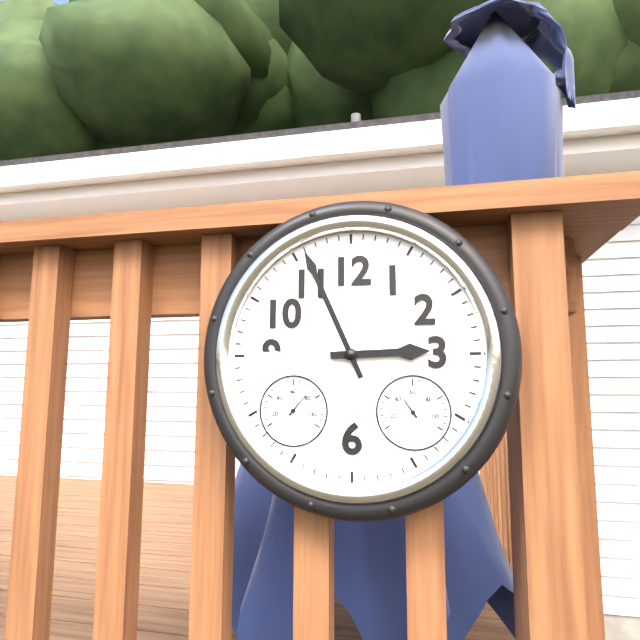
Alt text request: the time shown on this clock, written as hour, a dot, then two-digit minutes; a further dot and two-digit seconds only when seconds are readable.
2.56
